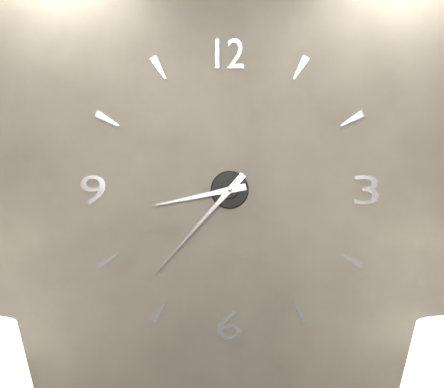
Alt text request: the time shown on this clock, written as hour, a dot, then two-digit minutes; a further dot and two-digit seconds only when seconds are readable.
8.37
